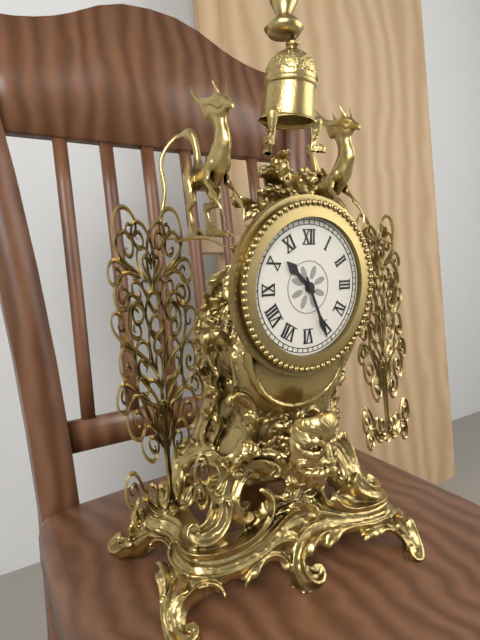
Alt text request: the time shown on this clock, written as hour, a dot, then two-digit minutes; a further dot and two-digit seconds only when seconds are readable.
10.26
